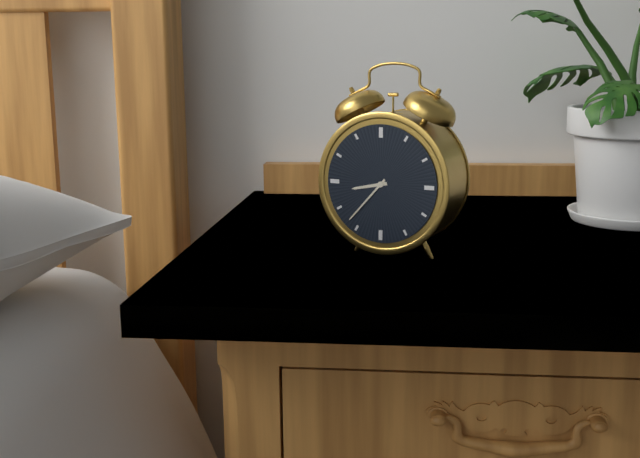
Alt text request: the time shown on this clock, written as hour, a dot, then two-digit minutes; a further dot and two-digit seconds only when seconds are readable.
8.37
